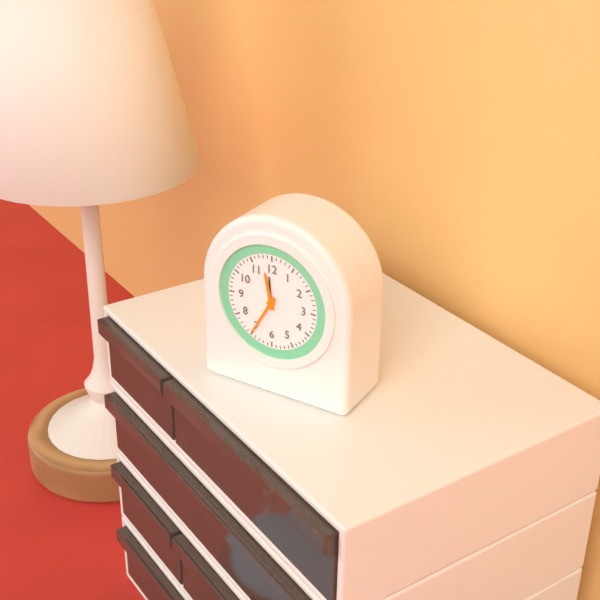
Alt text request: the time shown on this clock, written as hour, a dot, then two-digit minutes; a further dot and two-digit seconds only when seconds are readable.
11.35
